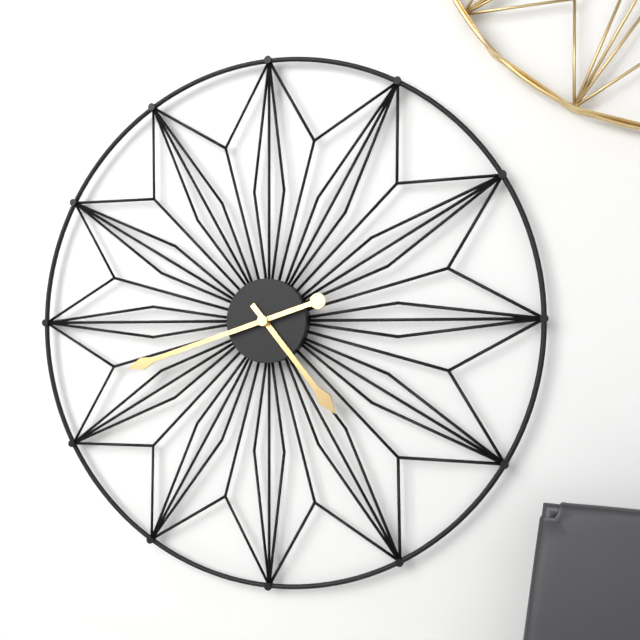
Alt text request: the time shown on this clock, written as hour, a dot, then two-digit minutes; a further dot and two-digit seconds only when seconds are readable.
4.42
